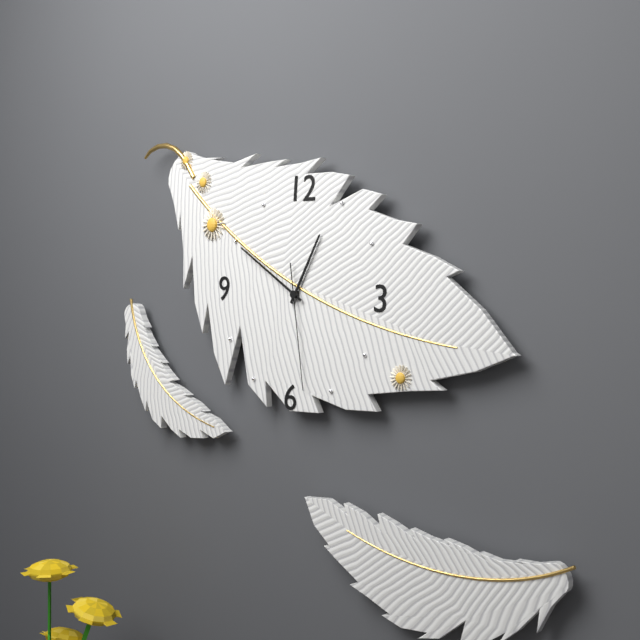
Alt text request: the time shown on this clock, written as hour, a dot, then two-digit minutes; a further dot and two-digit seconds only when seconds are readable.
12.50.28
